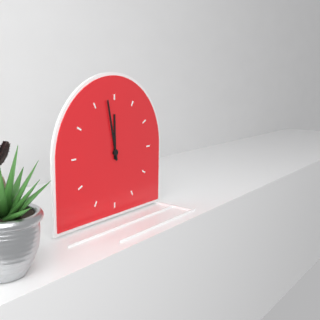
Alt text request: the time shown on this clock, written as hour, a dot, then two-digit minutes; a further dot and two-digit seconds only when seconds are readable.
11.58
